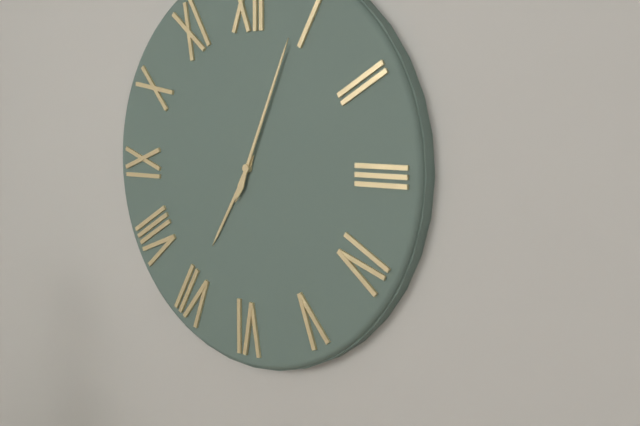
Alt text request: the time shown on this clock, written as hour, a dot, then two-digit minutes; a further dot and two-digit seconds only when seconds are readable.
7.04
